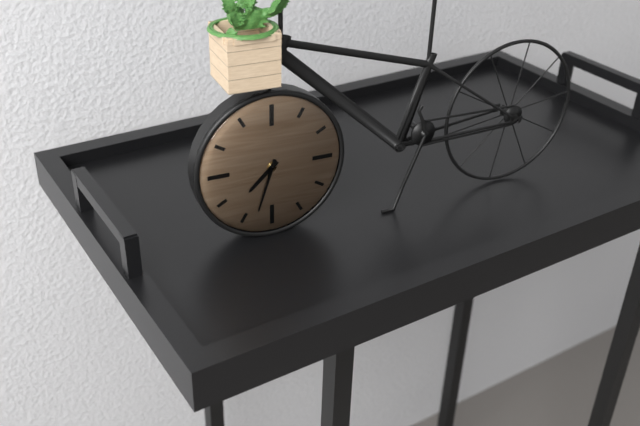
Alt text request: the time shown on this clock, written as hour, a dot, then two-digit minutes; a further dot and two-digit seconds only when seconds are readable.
7.33
